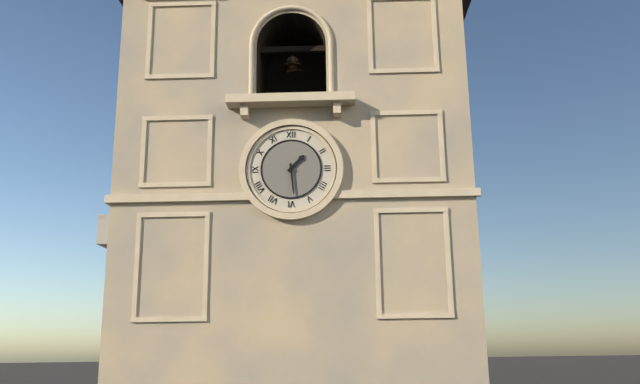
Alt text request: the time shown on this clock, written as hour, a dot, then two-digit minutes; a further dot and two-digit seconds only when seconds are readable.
1.29
